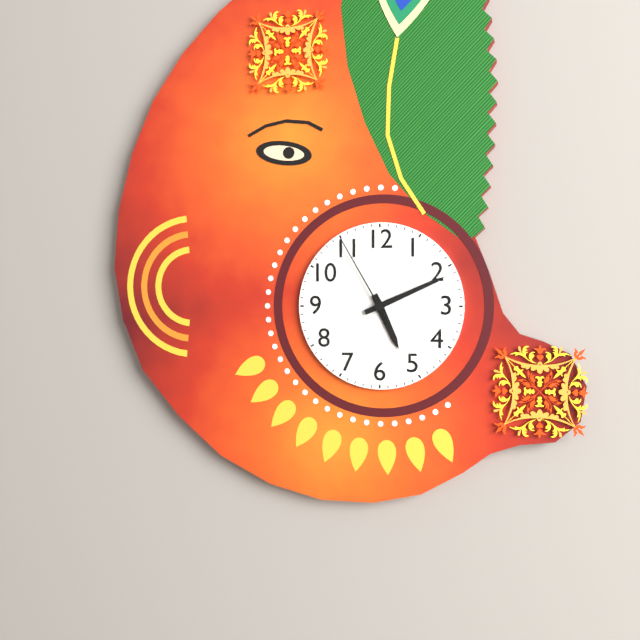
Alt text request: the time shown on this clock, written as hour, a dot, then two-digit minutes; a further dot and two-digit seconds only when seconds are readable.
5.11.55
